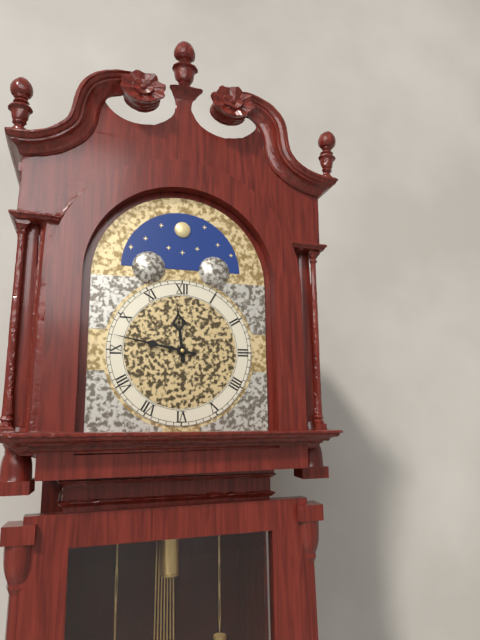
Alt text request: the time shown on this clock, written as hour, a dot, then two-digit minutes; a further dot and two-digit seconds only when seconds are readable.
11.47
